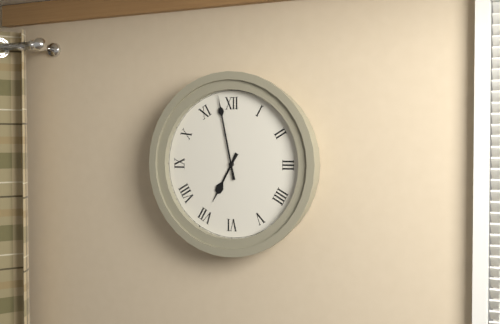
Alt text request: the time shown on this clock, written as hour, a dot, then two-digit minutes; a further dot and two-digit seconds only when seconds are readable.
6.58
